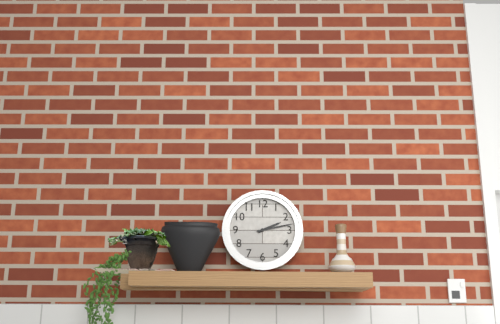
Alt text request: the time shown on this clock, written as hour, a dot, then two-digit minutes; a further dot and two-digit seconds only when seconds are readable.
2.13
